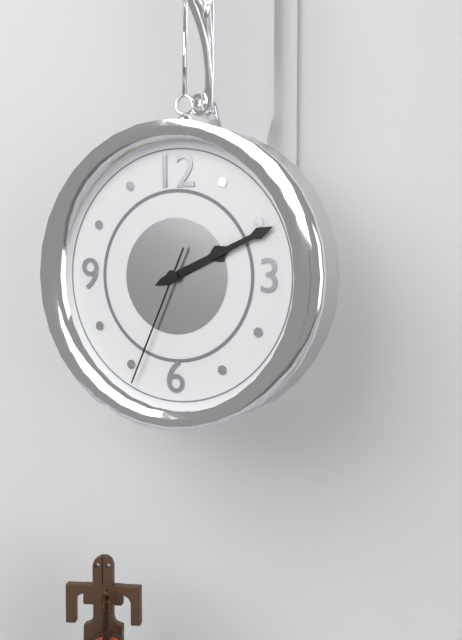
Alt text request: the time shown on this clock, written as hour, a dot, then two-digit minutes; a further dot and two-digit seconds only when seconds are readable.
2.11.34
